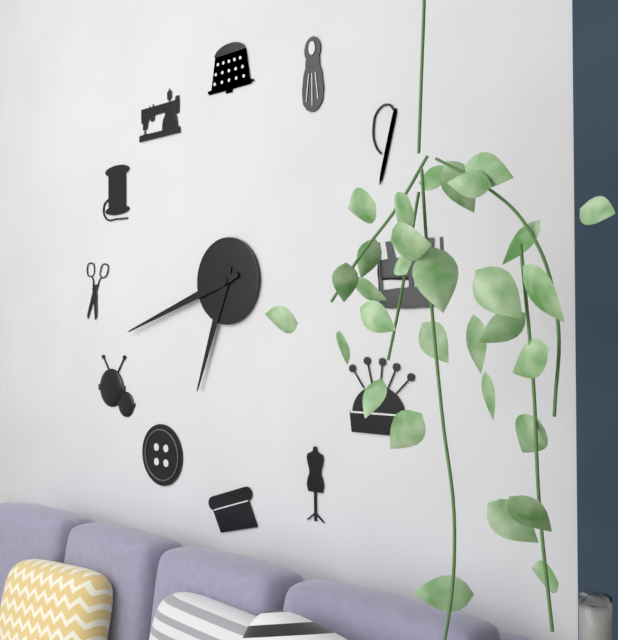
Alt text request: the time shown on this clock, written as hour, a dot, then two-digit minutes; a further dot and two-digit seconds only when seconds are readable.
6.42
